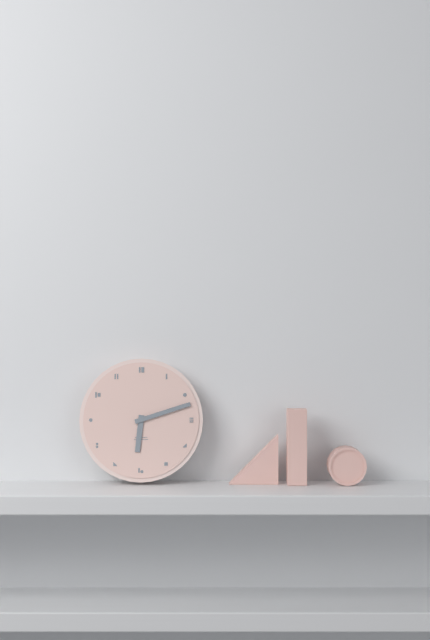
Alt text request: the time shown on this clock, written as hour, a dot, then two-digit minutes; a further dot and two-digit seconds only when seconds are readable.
6.12
